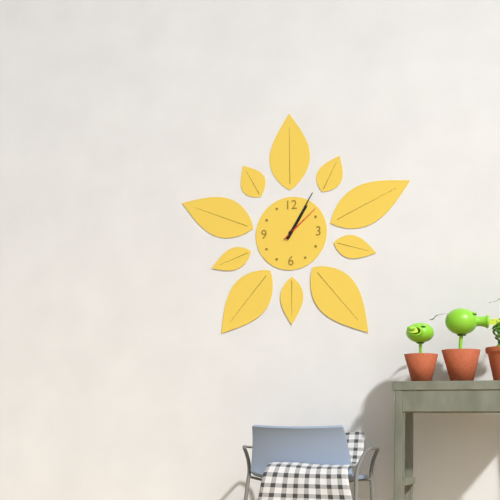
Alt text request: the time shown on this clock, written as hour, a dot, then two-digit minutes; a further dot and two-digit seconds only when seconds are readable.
1.05
